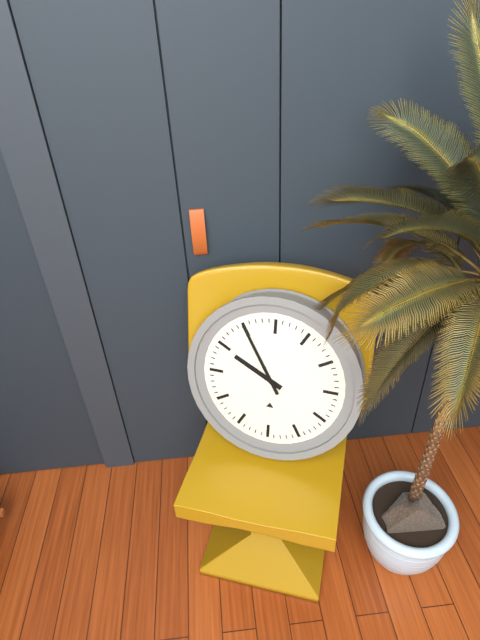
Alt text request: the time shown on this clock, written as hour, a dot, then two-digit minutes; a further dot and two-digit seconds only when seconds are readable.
9.55
